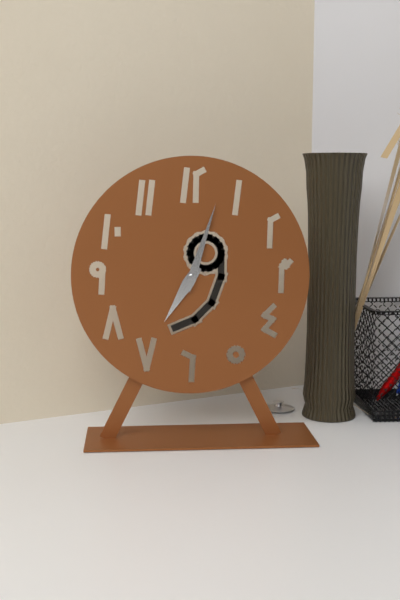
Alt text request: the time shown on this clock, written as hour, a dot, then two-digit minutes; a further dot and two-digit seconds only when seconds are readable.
7.03
